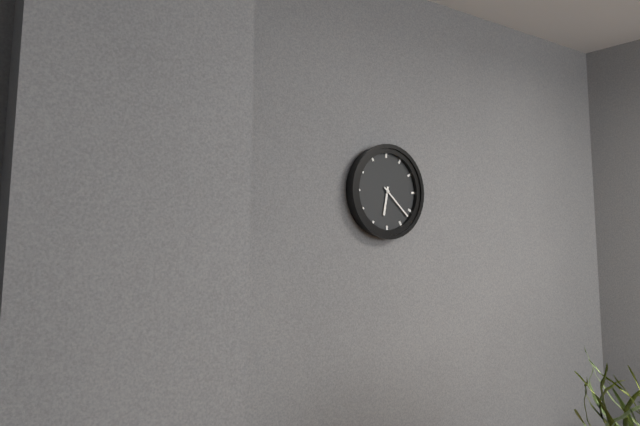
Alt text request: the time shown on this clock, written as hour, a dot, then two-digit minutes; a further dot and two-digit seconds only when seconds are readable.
6.22
